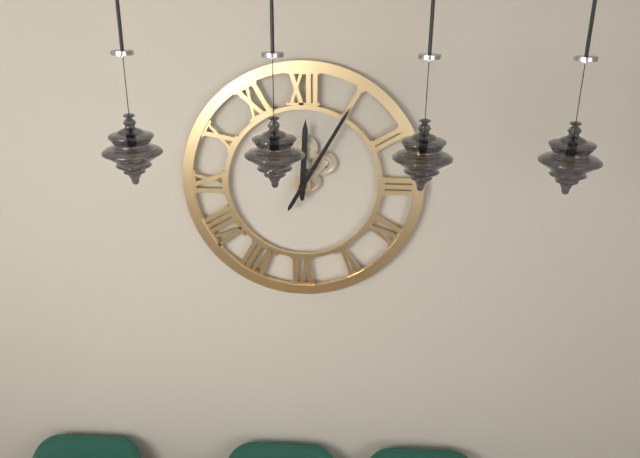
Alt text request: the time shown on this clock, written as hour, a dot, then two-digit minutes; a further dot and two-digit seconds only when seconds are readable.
12.05
